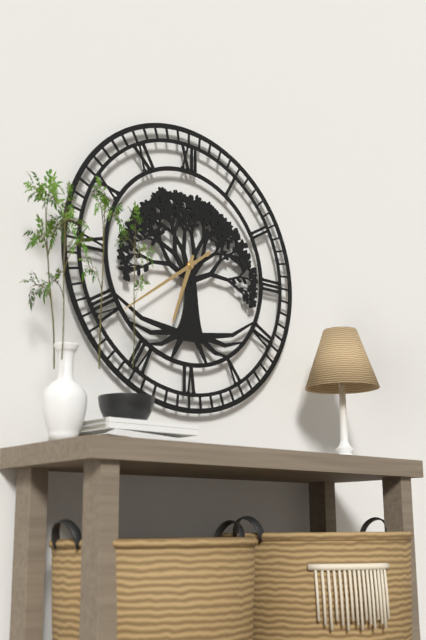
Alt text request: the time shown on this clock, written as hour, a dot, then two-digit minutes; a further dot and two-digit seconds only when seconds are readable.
6.39
